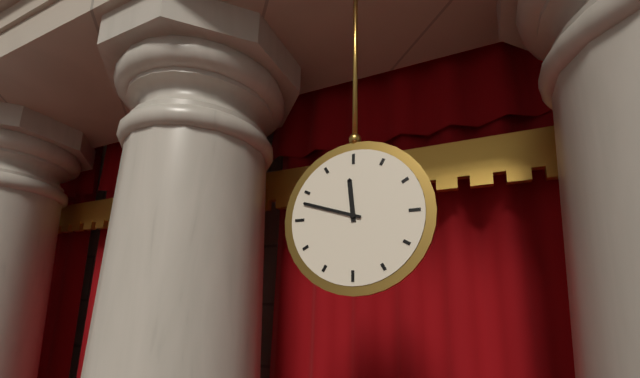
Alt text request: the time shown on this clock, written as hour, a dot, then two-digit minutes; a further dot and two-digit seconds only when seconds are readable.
11.48
